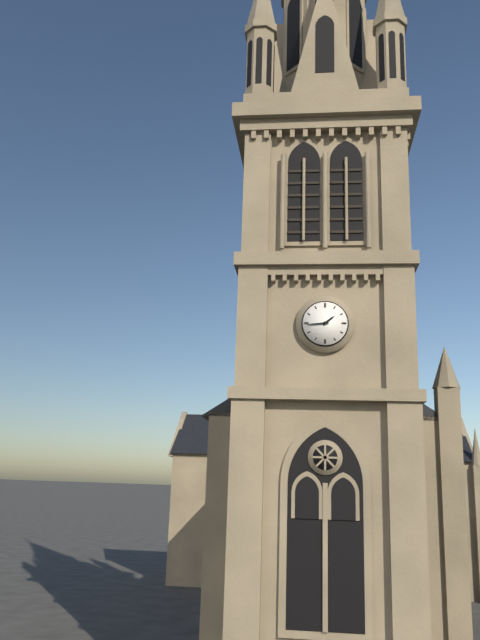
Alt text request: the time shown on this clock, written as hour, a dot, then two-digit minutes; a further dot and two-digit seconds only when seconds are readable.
1.44
